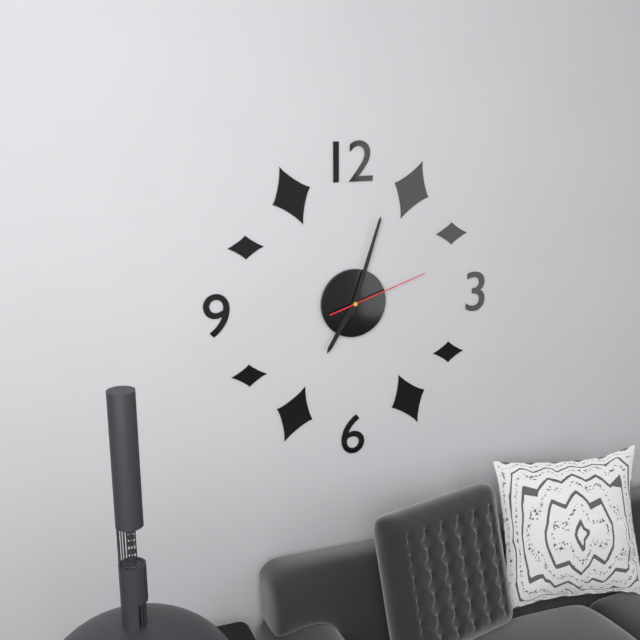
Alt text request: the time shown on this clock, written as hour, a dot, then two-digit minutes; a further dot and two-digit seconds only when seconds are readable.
7.03.12
